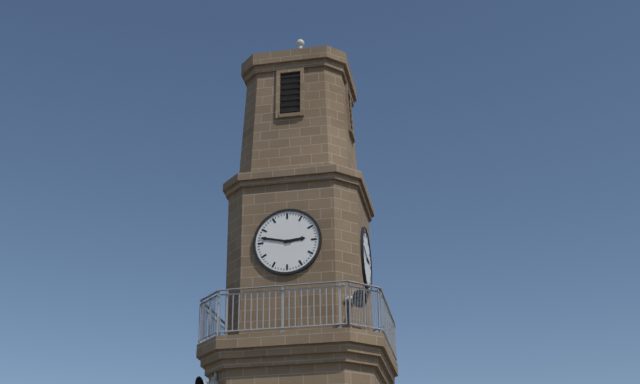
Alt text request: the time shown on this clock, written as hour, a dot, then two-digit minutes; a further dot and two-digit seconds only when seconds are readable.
2.47
